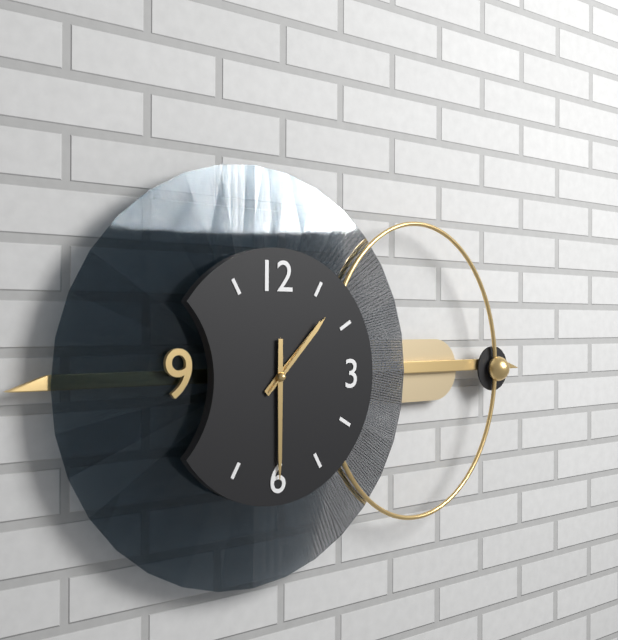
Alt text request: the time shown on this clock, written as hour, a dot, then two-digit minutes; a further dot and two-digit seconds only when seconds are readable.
1.30.07
